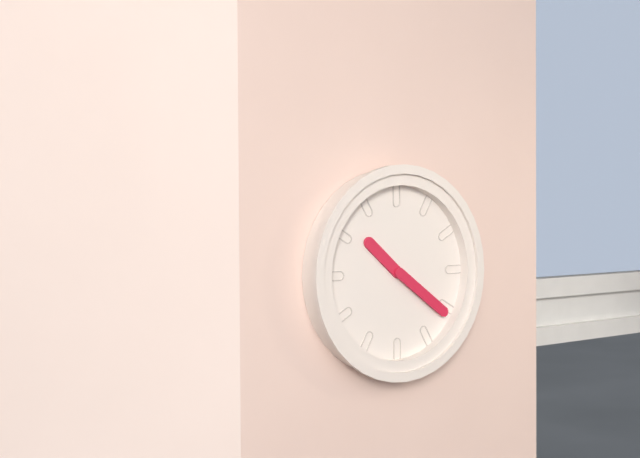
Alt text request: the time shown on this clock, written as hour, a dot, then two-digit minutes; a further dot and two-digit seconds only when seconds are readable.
10.21
